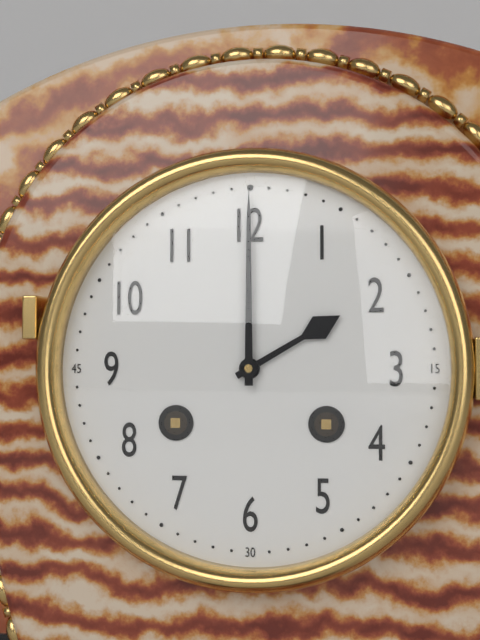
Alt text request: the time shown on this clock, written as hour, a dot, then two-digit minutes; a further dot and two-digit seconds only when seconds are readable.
2.00
